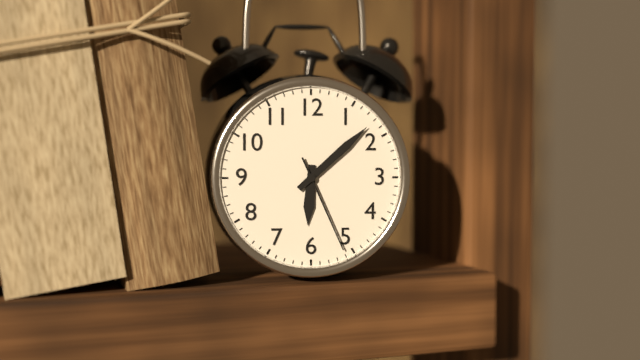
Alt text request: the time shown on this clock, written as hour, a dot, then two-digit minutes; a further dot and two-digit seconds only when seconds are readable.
6.08.26
